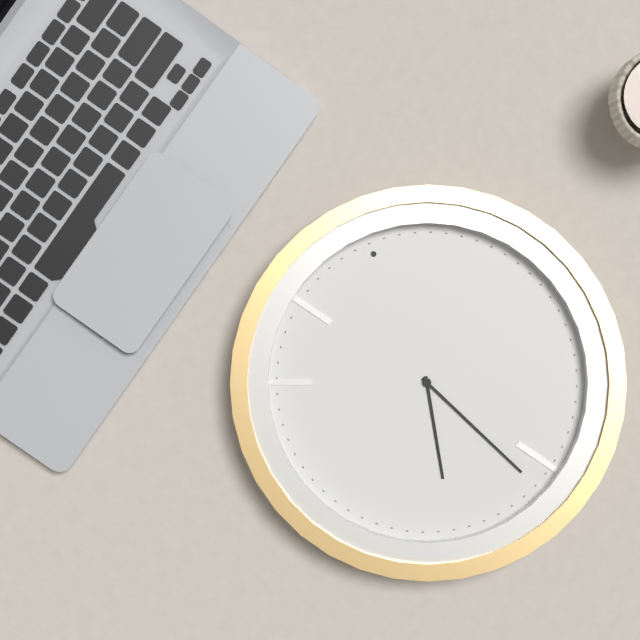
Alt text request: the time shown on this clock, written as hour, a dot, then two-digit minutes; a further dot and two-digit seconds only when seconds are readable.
6.26
